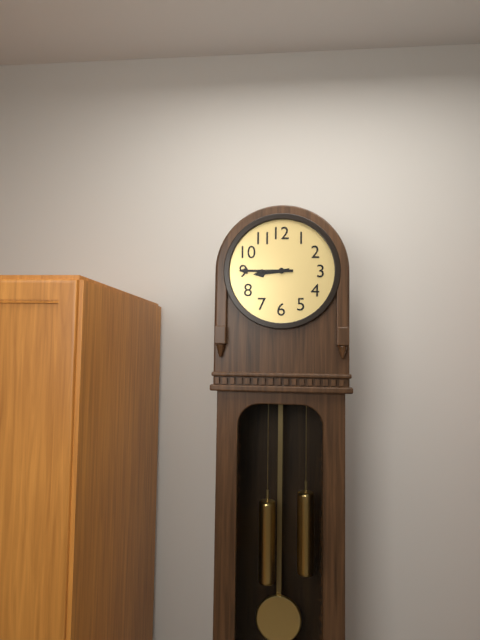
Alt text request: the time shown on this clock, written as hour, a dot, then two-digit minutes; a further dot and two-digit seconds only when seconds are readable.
8.45
